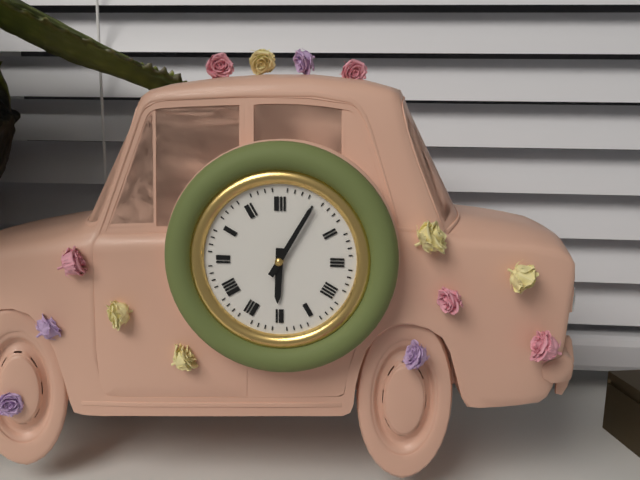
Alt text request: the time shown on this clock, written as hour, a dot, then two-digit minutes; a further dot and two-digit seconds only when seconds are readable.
6.05
